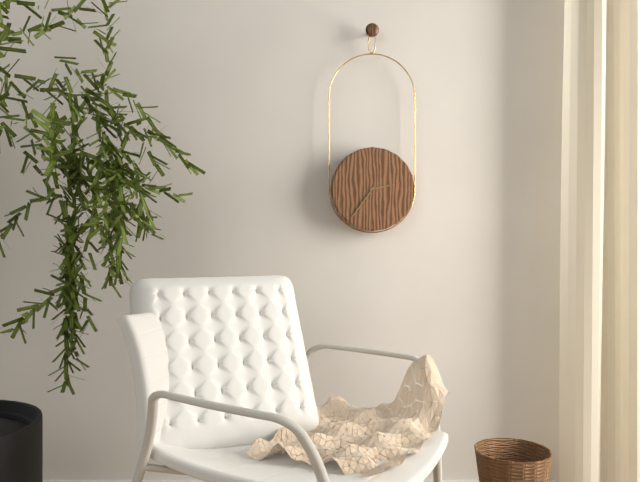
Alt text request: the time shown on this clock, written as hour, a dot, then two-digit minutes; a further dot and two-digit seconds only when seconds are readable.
2.36
